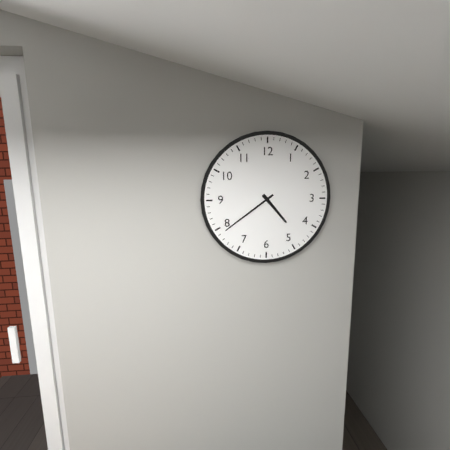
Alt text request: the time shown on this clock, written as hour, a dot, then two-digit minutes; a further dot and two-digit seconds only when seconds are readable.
4.39
